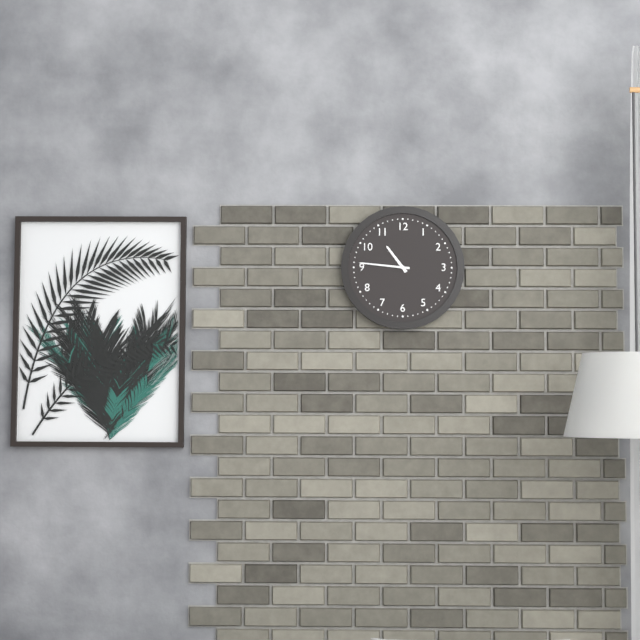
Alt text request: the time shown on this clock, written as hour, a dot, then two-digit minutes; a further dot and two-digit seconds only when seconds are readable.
10.46
